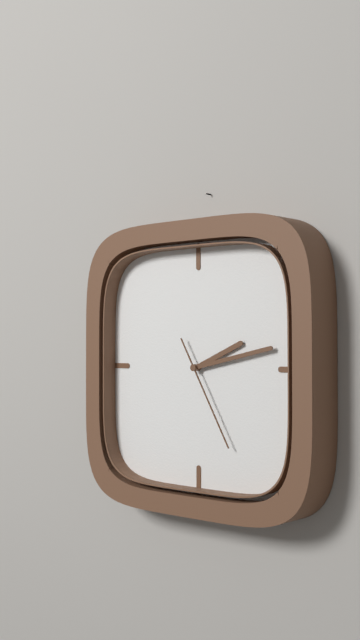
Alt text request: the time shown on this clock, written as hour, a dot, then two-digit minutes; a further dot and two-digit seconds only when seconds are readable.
2.13.25
